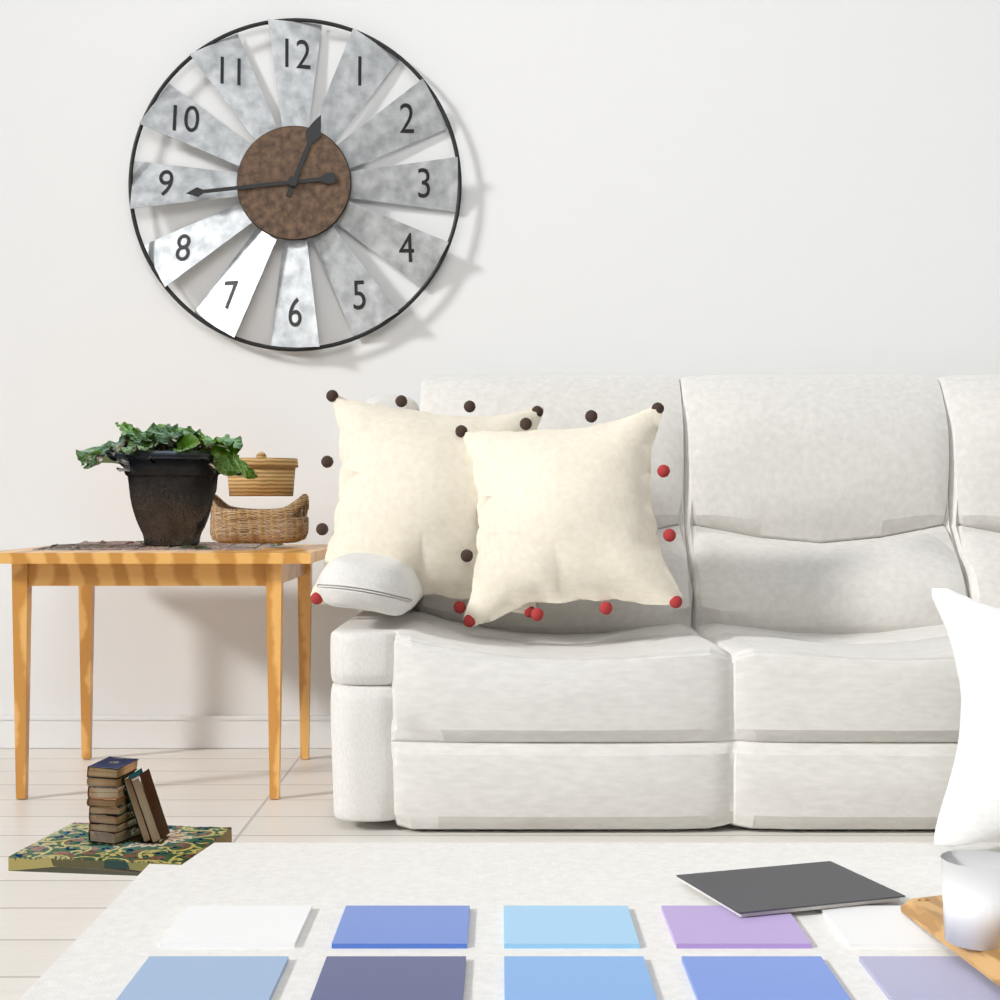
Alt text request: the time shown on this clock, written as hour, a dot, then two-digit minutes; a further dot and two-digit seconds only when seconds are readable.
12.44
